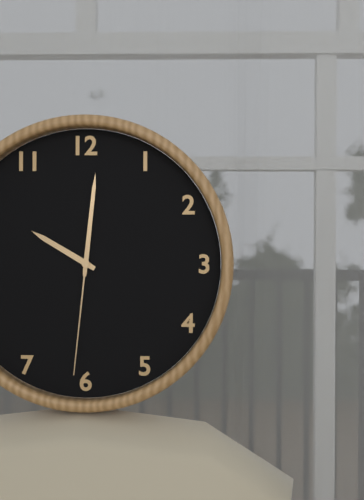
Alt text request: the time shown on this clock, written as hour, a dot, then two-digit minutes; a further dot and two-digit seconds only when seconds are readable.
10.01.31
